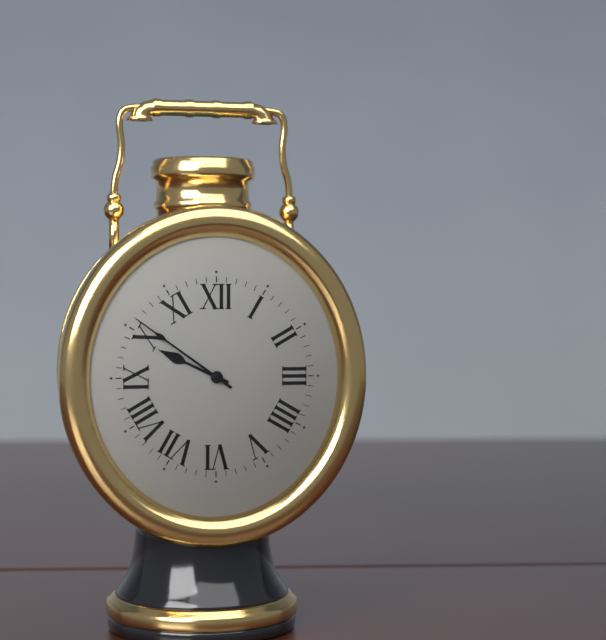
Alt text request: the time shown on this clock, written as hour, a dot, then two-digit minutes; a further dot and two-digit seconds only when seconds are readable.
9.51
